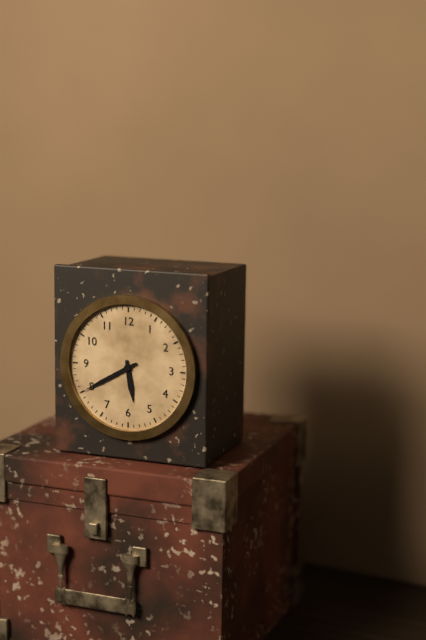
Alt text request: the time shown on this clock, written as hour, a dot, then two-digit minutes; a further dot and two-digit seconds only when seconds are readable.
5.40
